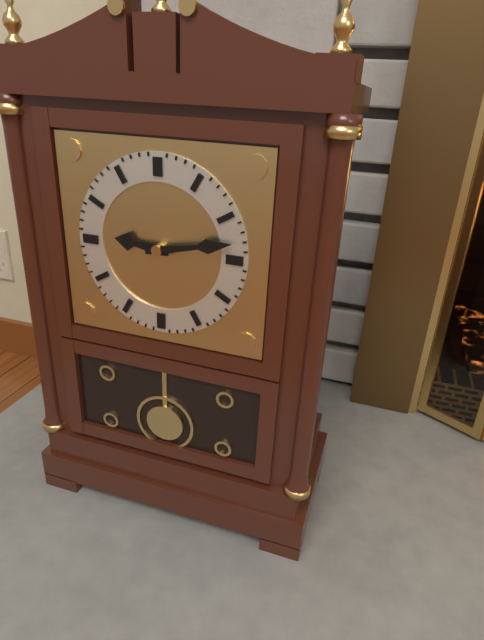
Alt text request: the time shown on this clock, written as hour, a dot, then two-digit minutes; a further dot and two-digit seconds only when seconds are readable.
9.13
